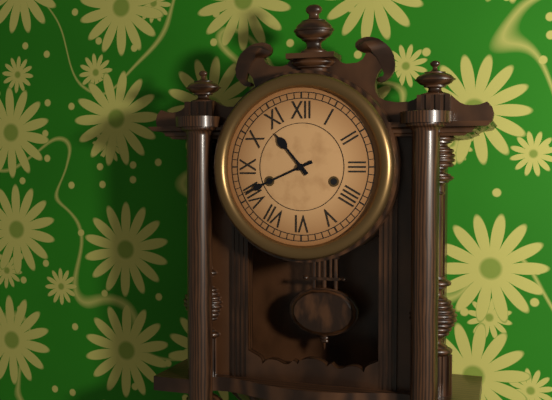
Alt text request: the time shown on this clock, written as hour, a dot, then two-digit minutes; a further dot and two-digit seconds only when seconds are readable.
10.41
